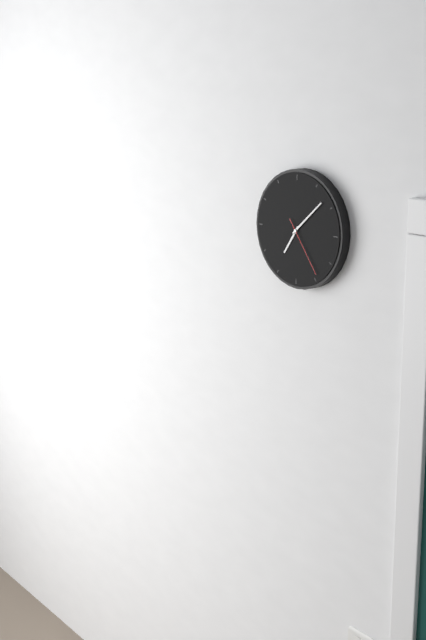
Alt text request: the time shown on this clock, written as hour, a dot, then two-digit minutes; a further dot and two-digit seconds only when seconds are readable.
7.08.24
